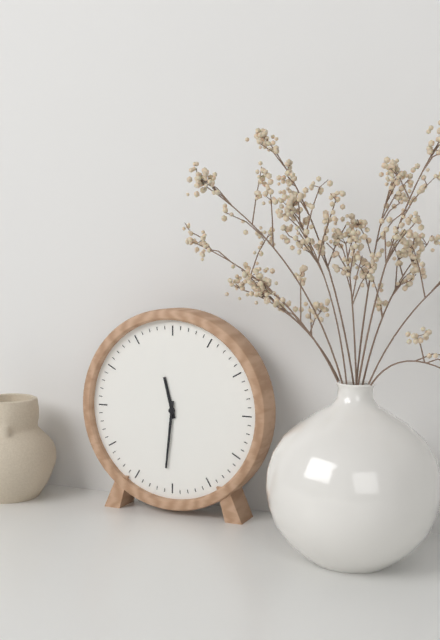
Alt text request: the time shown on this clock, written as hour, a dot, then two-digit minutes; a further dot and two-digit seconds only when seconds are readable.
11.31
